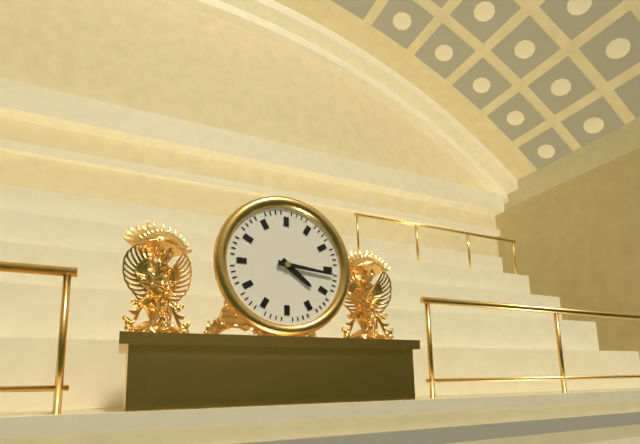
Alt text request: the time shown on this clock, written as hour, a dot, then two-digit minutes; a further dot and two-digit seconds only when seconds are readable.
4.16
